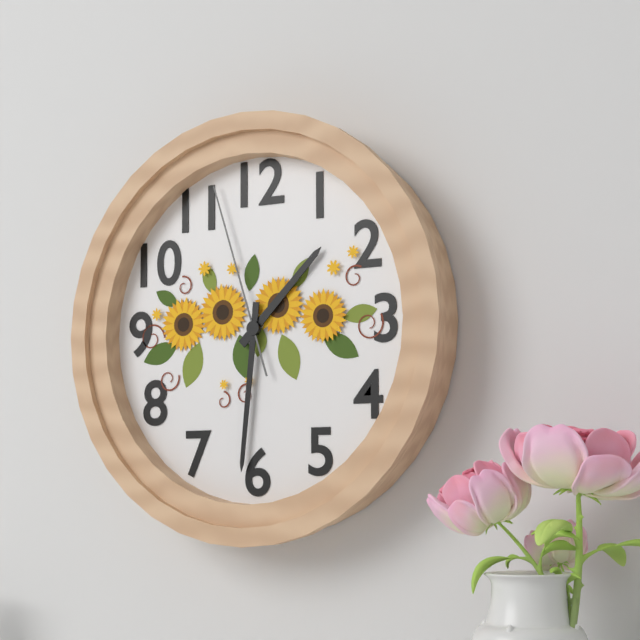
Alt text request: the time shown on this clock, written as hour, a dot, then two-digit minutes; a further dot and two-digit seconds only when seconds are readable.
1.31.57
